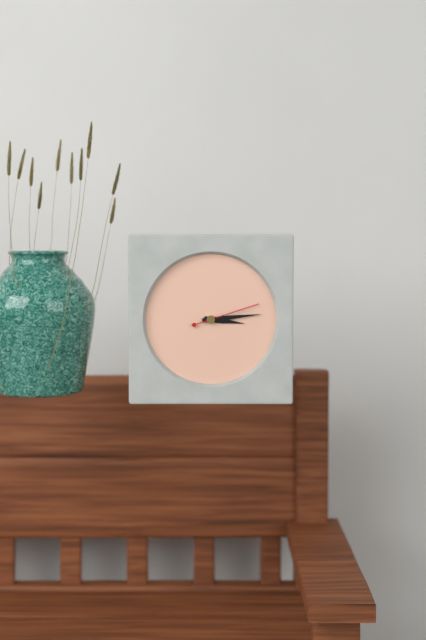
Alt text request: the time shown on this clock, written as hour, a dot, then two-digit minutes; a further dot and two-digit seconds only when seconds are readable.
3.14.12
